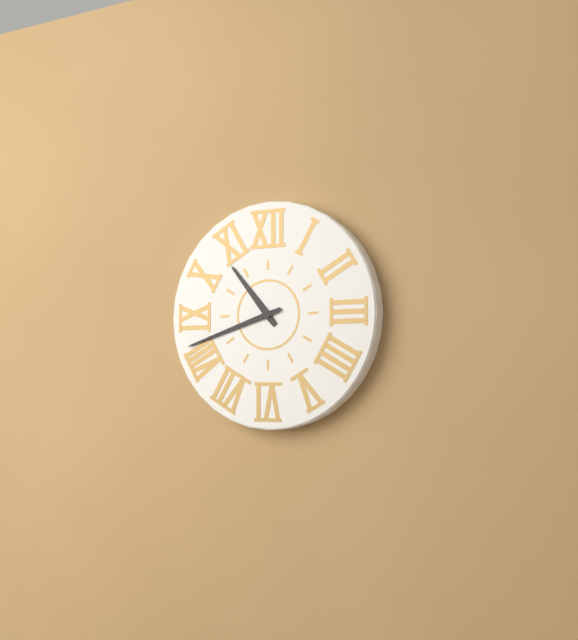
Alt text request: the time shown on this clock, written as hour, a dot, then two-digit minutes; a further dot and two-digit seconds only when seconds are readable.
10.42
